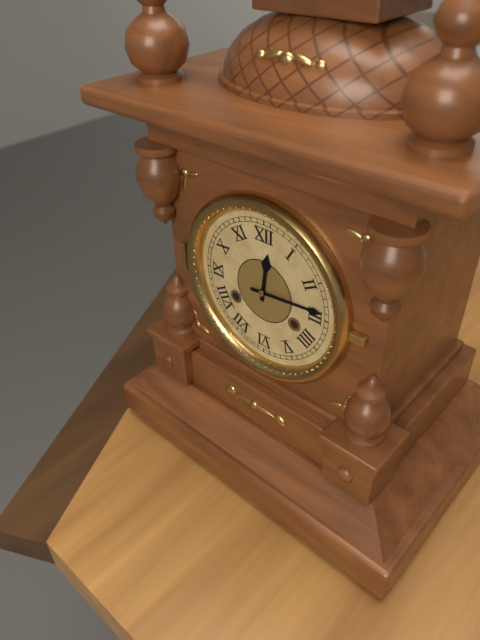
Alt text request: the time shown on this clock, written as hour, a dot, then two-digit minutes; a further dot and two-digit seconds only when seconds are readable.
12.14
